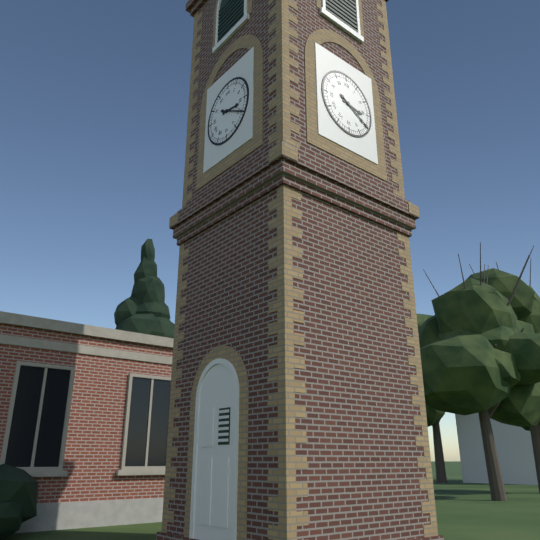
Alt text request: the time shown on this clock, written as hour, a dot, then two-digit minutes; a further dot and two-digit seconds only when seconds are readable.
3.20
